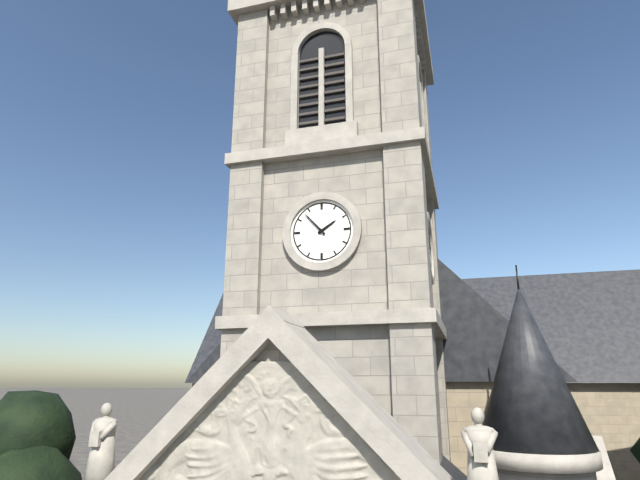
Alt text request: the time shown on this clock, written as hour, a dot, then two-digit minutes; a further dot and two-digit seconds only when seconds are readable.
1.53
